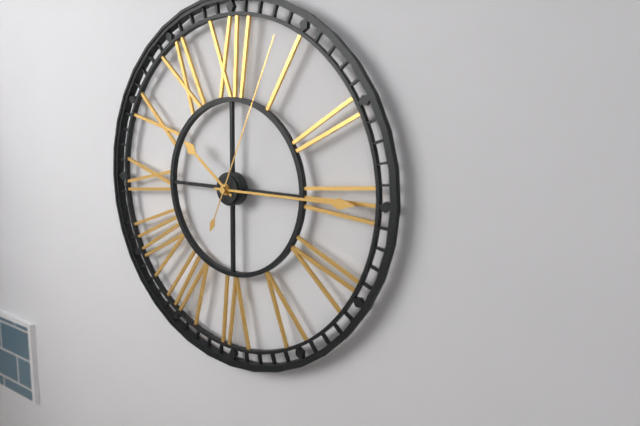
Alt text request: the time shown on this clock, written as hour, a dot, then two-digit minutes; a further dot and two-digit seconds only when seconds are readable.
10.15.04
